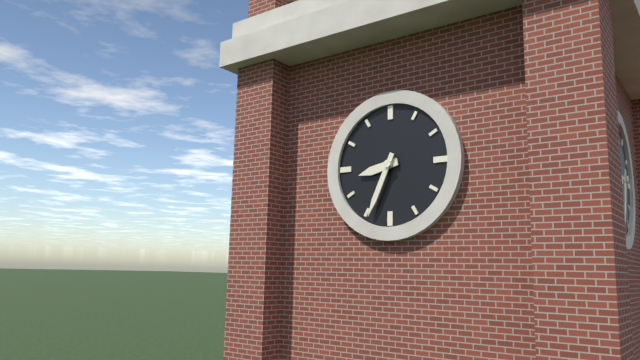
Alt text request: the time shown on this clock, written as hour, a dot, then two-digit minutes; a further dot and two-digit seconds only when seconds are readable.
8.34
